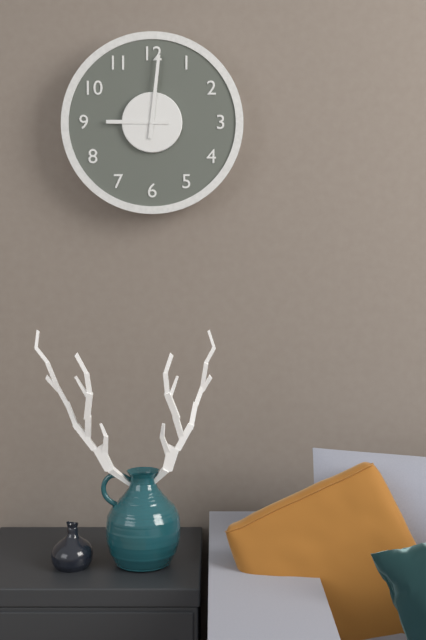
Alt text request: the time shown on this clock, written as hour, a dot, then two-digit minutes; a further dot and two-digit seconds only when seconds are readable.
9.01
